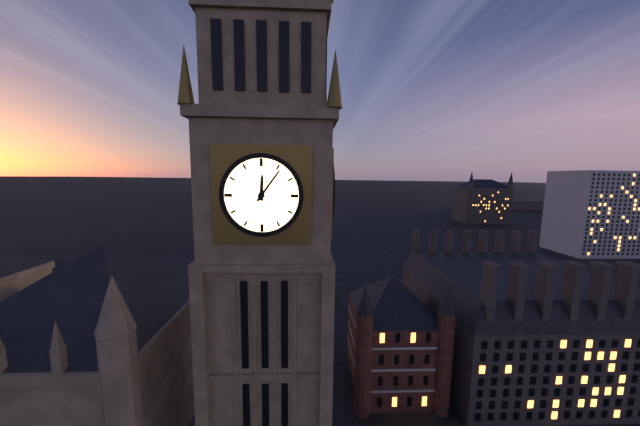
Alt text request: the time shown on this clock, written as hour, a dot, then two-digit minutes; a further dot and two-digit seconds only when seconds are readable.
12.06
